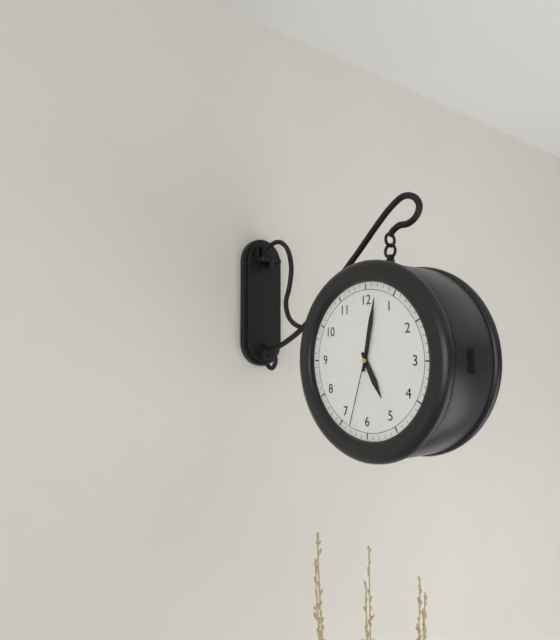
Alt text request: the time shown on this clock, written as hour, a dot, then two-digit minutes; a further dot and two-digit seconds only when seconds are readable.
5.02.33
